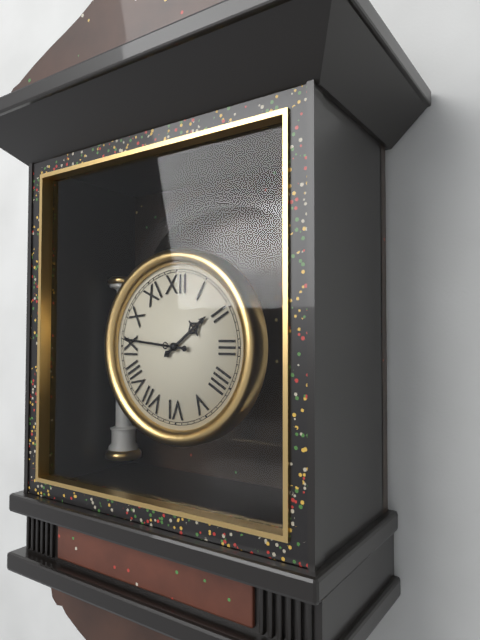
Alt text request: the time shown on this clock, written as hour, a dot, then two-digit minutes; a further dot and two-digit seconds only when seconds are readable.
1.46
